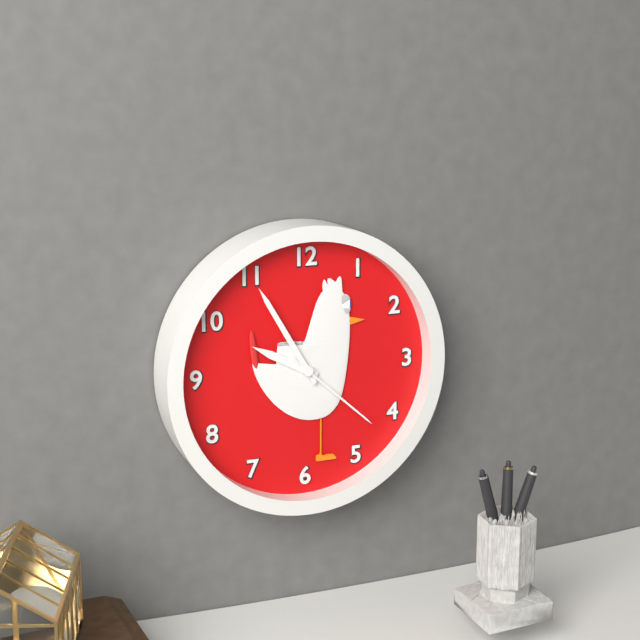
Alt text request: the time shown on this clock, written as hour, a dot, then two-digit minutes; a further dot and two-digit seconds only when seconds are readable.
9.55.22
